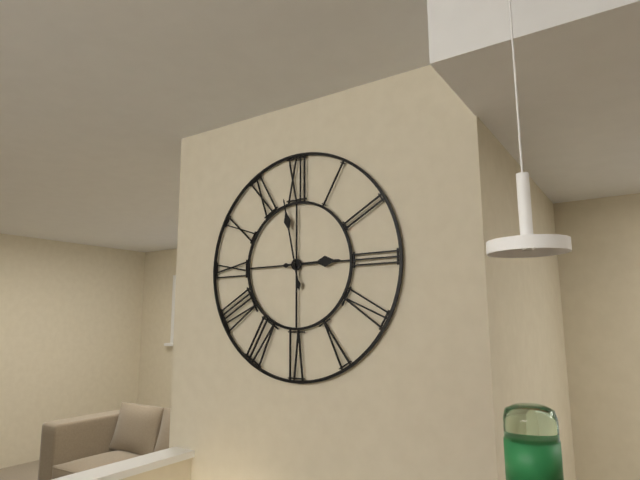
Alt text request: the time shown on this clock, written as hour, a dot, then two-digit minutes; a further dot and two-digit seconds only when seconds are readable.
2.58
